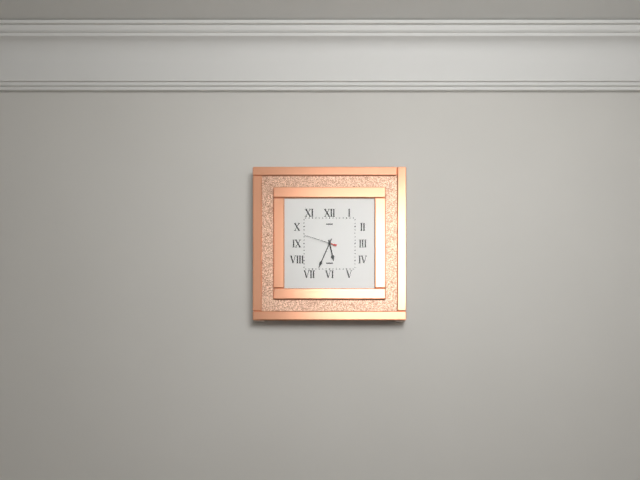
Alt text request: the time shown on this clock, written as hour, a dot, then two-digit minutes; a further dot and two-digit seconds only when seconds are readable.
5.34
